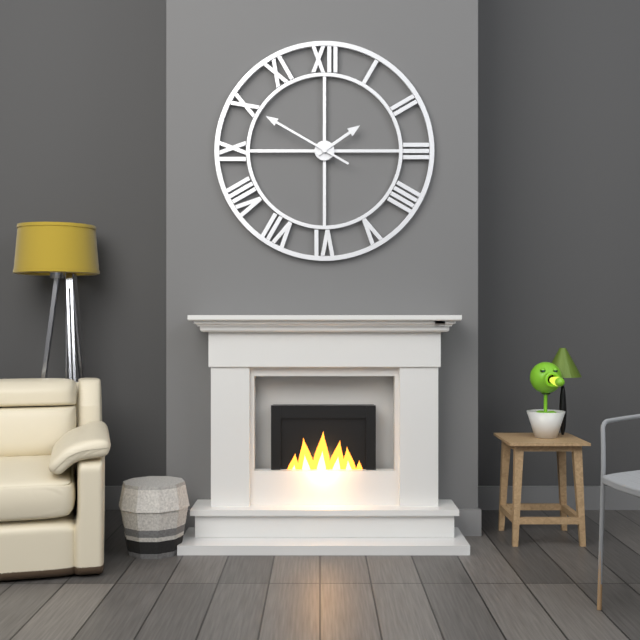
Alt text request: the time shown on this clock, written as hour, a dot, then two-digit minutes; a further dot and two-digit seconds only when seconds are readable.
1.50
